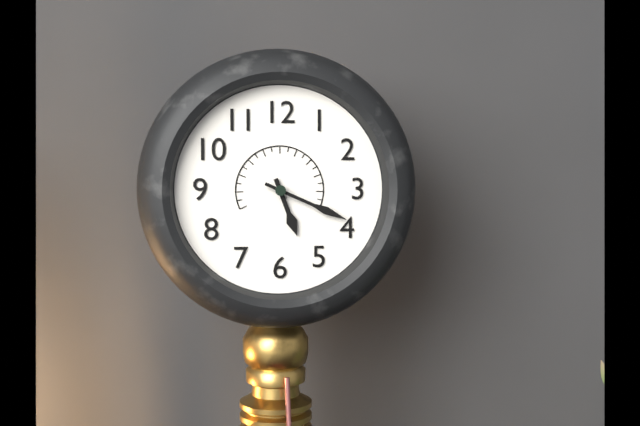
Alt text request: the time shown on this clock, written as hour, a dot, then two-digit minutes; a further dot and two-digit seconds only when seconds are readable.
5.19
